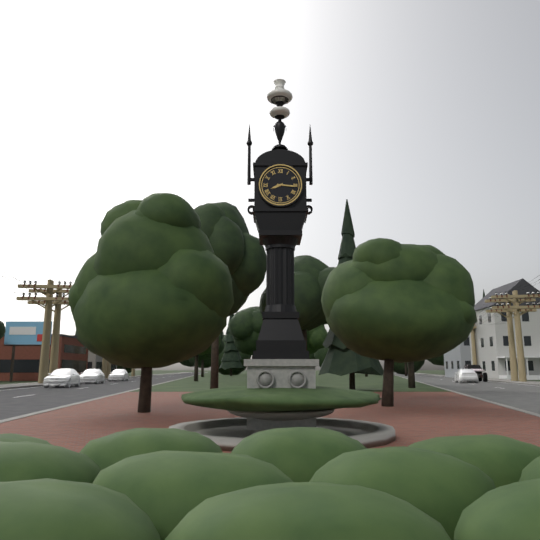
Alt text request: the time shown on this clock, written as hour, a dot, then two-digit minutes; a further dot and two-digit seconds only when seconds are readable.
8.16
